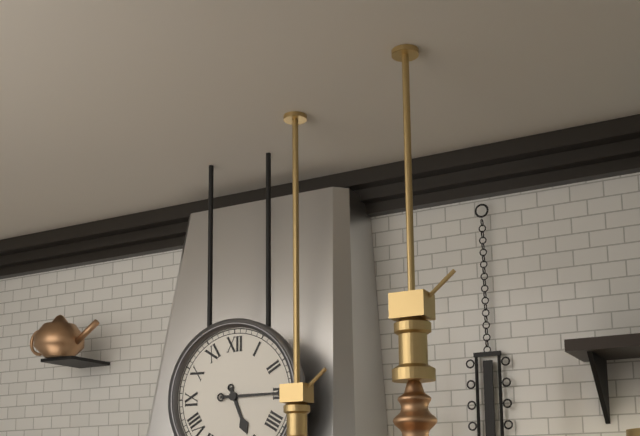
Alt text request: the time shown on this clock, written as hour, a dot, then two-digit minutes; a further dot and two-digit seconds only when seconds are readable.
5.15
